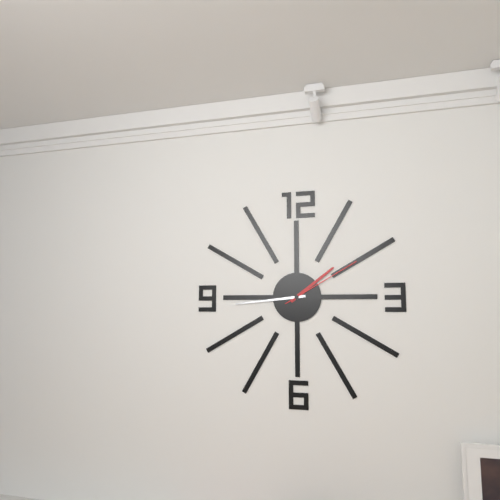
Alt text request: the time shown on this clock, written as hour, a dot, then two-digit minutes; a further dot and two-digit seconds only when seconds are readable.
1.44.10
